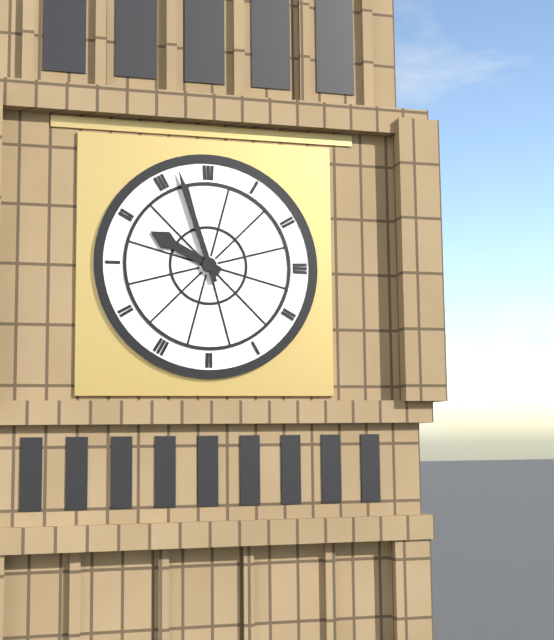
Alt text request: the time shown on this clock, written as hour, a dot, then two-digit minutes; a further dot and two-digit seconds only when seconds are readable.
9.57
